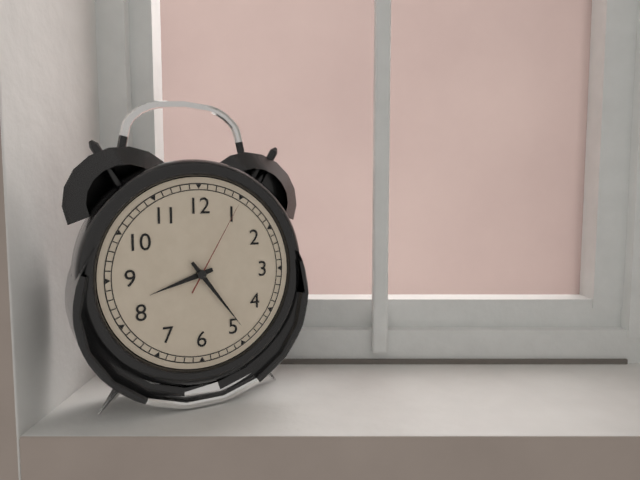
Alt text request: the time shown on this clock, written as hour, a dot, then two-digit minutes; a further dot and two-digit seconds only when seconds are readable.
8.24.05
